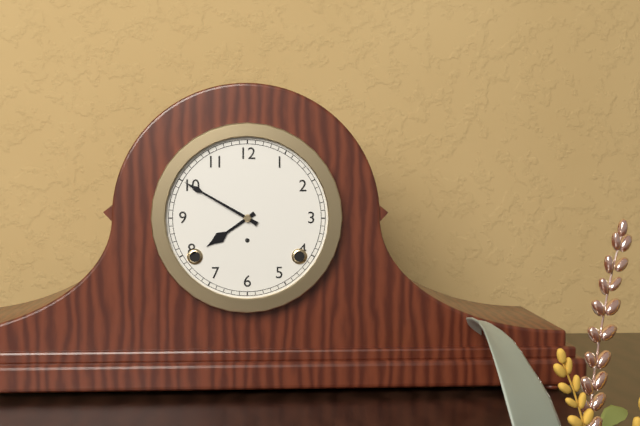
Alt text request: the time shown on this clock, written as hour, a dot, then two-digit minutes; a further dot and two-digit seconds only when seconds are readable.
7.50
